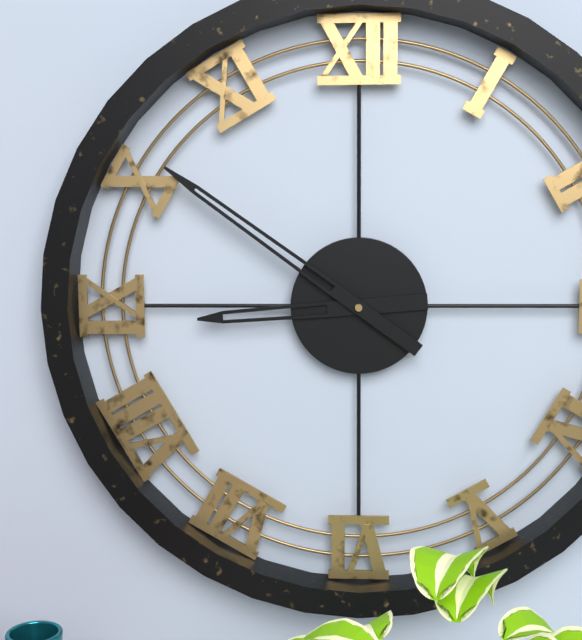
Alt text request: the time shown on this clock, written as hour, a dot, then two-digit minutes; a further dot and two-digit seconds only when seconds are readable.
8.51
